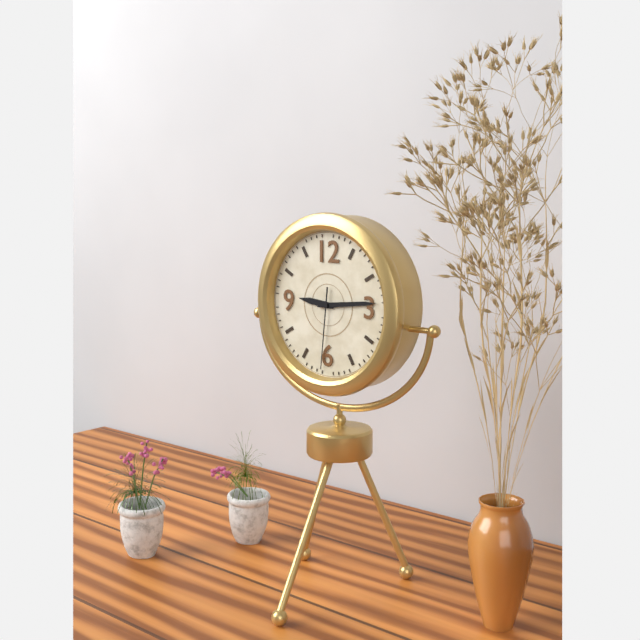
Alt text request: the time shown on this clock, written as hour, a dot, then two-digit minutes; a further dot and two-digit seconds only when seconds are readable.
9.14.31
